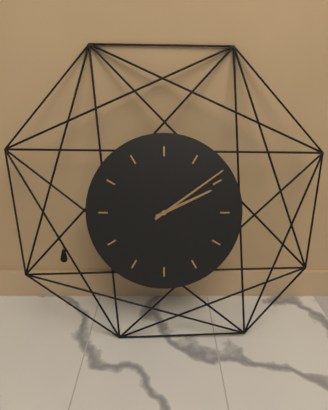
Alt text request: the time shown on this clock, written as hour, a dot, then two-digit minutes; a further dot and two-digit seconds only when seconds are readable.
2.09
